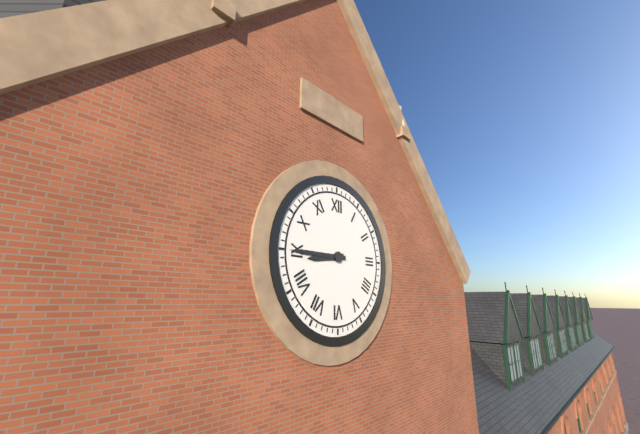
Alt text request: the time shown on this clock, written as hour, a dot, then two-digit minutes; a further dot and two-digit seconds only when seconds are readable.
8.45
